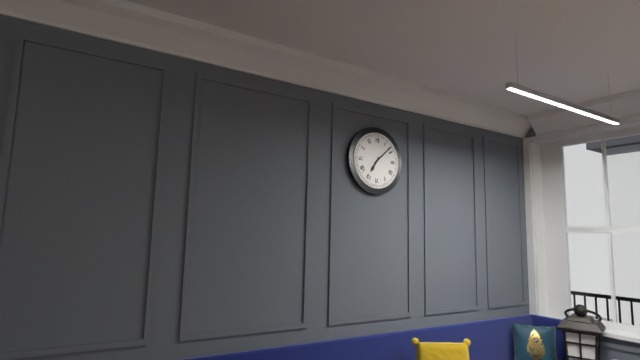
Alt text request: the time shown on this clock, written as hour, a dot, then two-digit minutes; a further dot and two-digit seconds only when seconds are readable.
7.08
